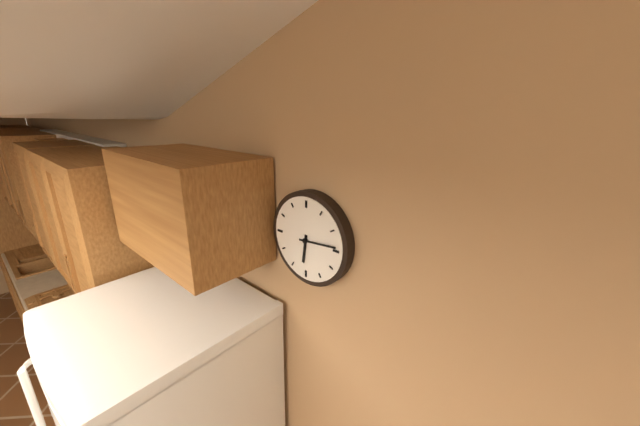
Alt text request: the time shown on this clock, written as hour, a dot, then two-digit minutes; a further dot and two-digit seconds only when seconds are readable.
6.14
